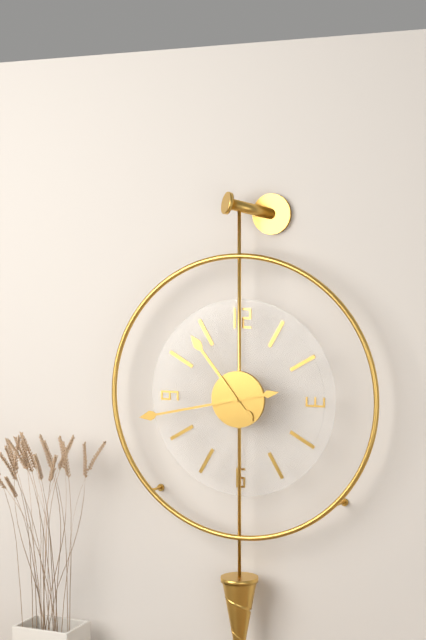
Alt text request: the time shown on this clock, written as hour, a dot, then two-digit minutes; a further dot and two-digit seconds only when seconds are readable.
10.43
